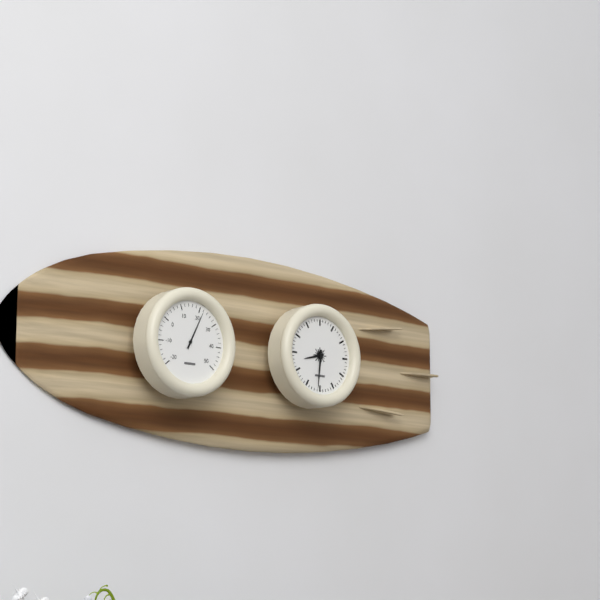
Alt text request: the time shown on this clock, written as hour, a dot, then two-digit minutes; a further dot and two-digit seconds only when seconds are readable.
8.31
